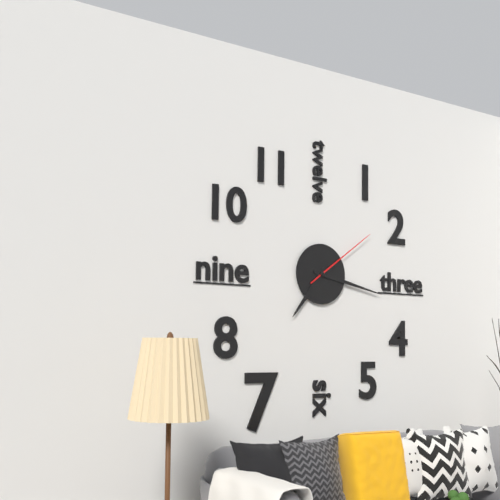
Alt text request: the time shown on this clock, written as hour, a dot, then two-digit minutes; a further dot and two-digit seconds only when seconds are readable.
7.17.09
